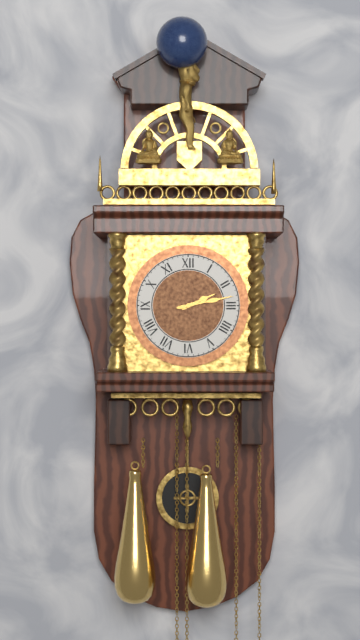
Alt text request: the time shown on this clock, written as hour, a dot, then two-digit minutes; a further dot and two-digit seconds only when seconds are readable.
2.13
